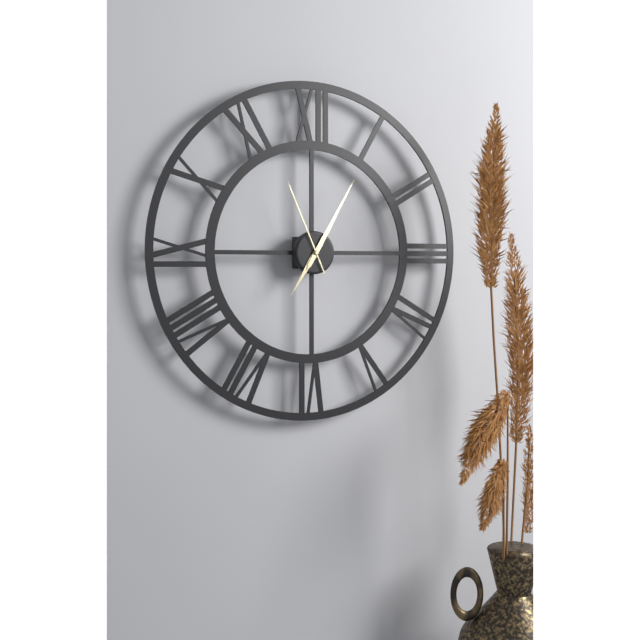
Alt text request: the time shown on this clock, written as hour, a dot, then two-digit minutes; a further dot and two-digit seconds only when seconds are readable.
7.05.56
